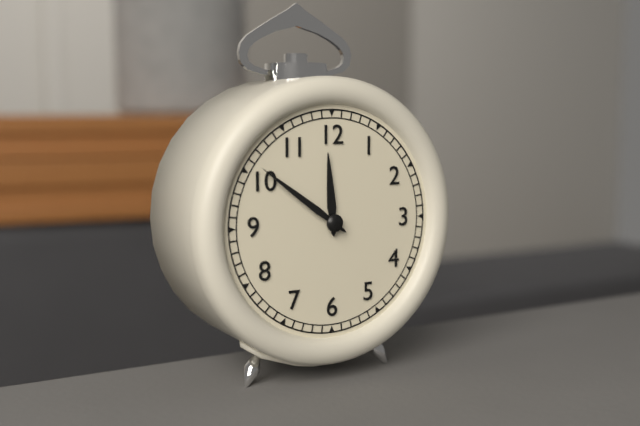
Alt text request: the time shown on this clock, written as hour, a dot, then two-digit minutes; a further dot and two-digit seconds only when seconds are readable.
11.51
